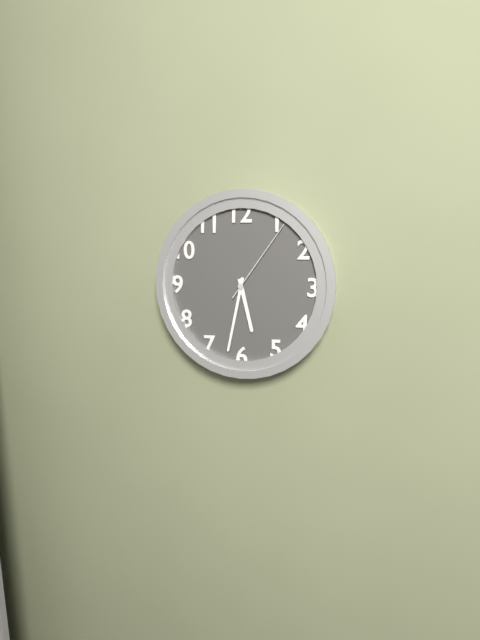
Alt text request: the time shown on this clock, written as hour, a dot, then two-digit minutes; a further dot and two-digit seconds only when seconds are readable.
5.32.06
